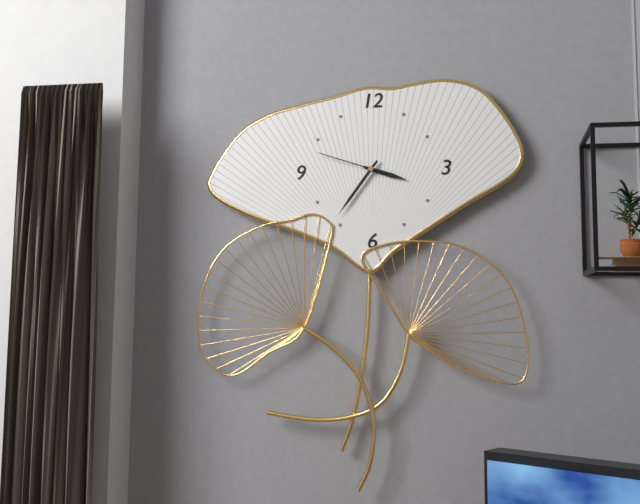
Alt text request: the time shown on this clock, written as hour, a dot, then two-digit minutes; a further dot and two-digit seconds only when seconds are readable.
3.36.48
